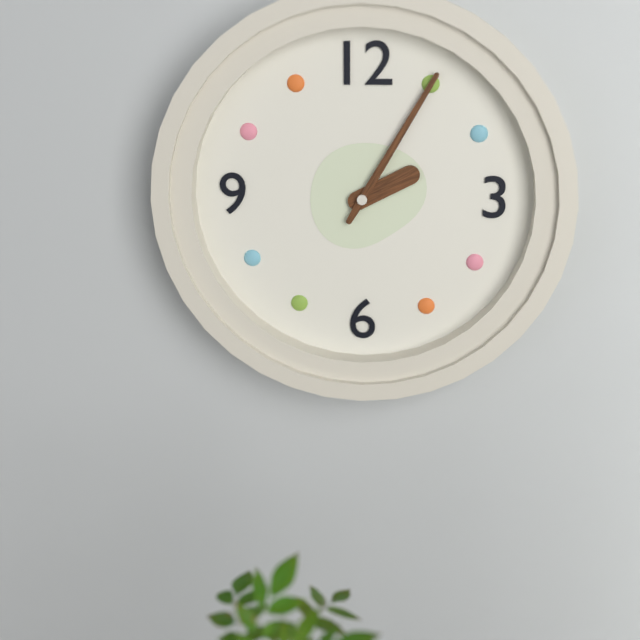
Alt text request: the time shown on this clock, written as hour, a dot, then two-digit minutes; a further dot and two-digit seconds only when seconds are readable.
2.05
